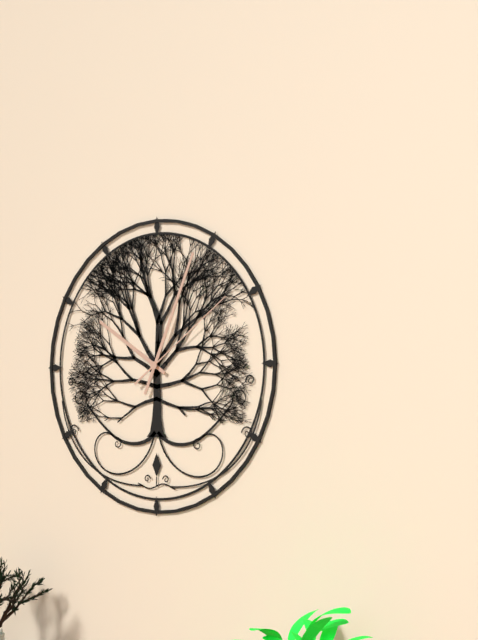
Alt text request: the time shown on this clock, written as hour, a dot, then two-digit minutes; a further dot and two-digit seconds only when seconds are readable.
10.04.09
